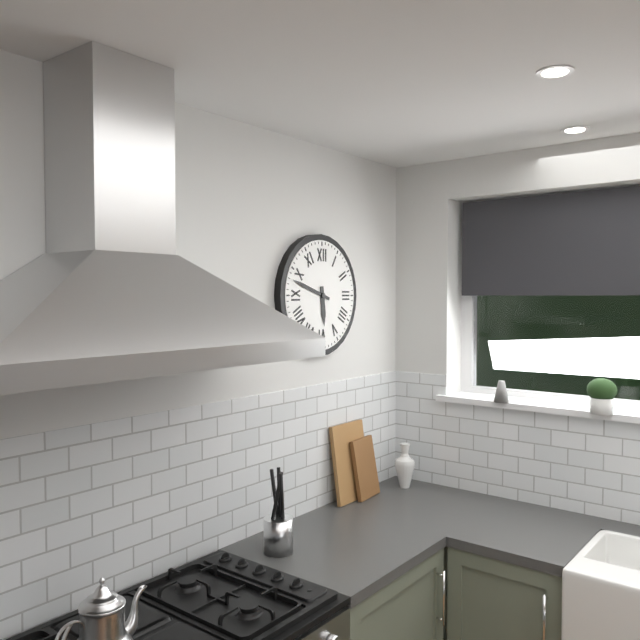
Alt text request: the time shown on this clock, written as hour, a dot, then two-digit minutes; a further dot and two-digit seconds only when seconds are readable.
5.48
